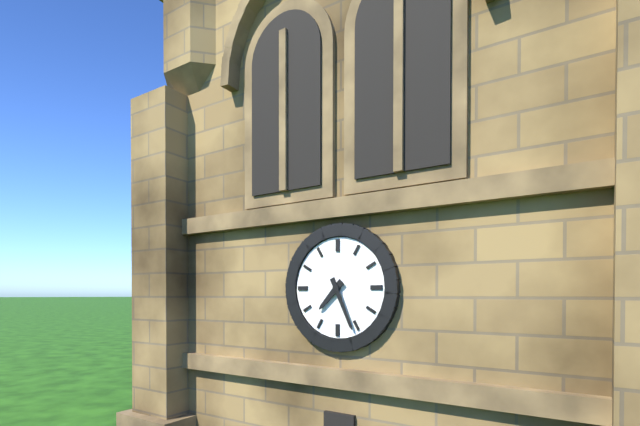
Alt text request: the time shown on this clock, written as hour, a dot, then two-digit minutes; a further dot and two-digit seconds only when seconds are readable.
7.26
